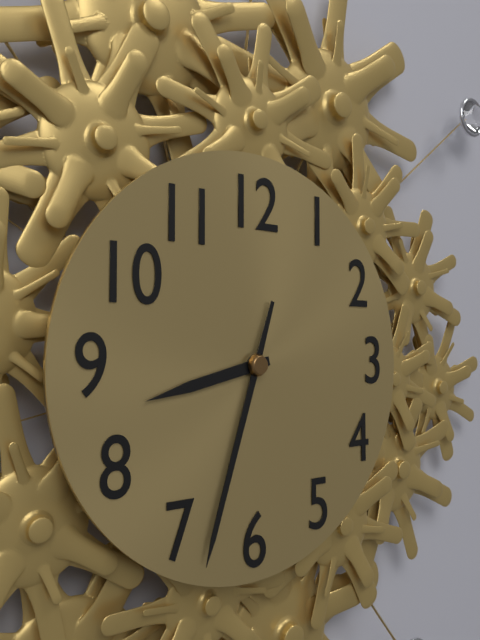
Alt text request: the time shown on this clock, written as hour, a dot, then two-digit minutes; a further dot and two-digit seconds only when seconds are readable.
8.33
